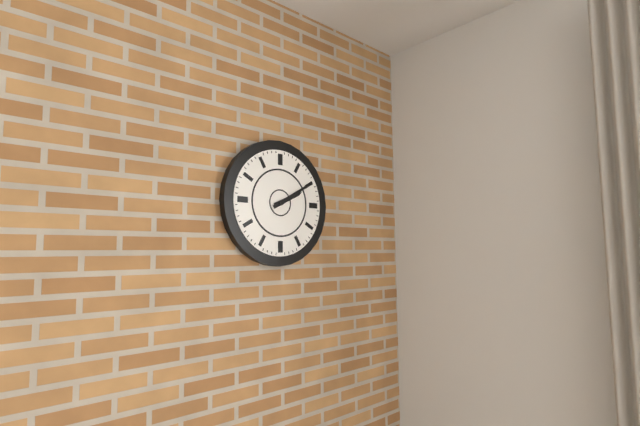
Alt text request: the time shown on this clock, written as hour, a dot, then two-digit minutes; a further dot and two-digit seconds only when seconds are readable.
2.10
